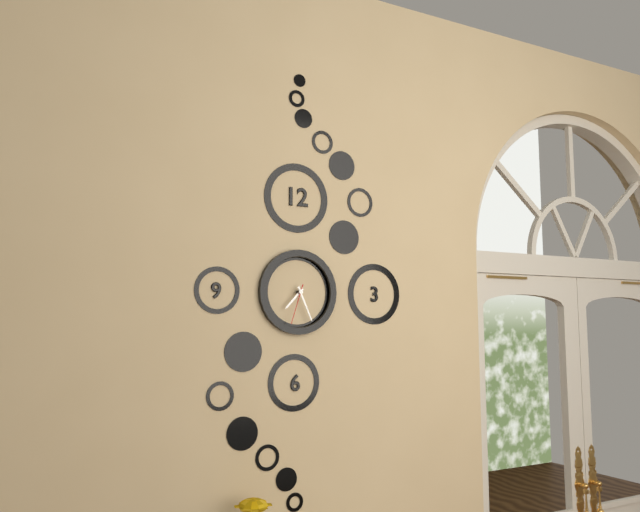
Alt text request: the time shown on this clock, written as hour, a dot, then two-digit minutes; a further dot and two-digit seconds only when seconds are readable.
7.26
